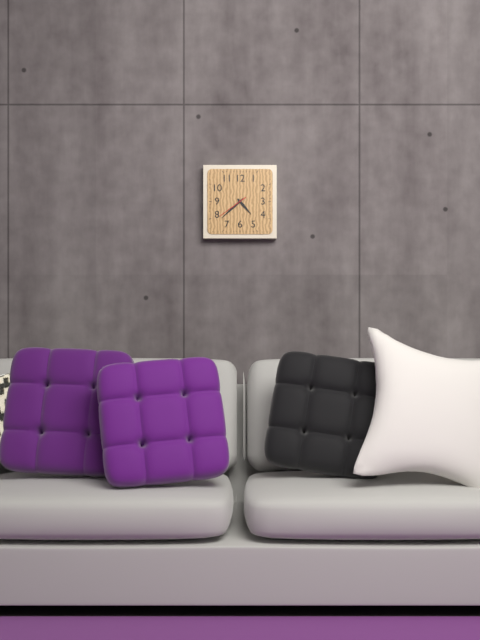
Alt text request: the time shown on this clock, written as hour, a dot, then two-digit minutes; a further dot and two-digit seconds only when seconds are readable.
4.38
